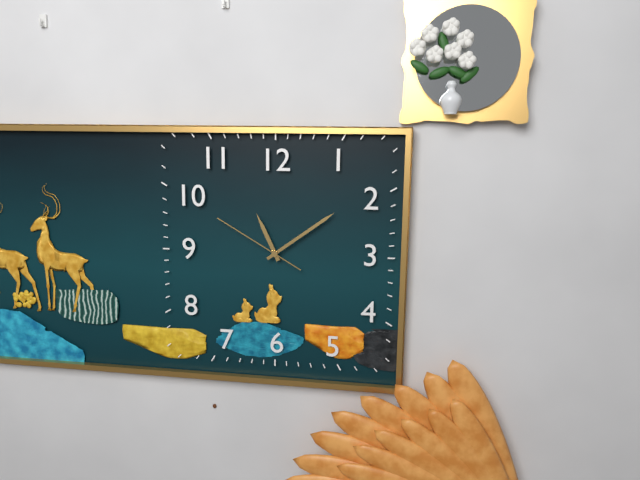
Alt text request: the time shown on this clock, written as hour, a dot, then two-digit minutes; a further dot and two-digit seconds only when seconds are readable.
11.09.50
